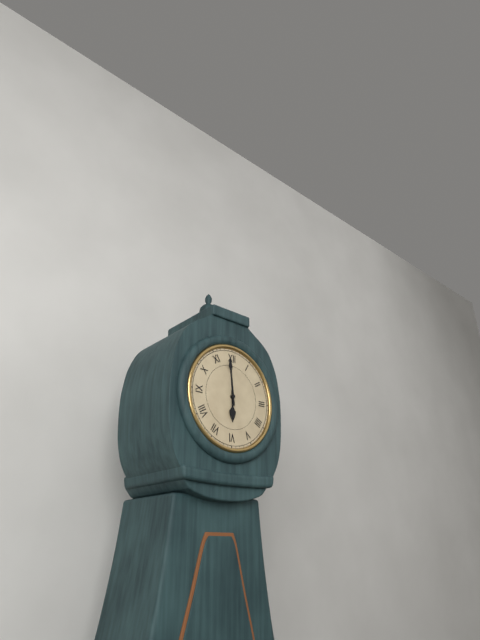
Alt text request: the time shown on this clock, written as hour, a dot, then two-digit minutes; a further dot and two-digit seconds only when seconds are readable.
5.59
